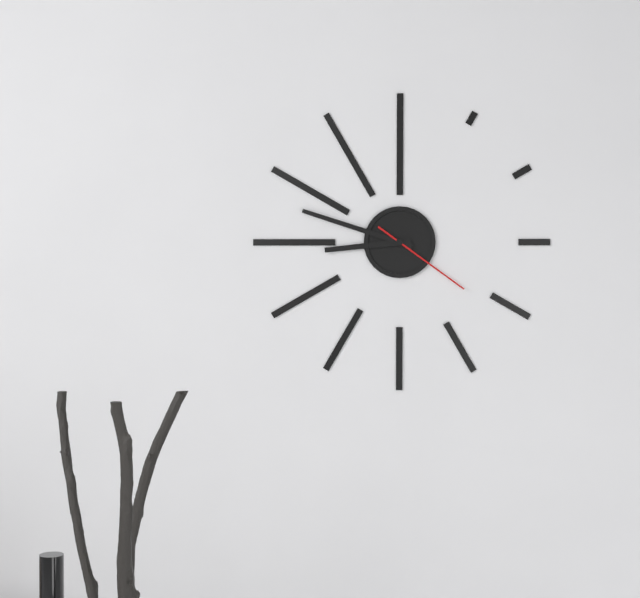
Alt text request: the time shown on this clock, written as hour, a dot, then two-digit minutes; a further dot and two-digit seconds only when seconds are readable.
8.48.21
